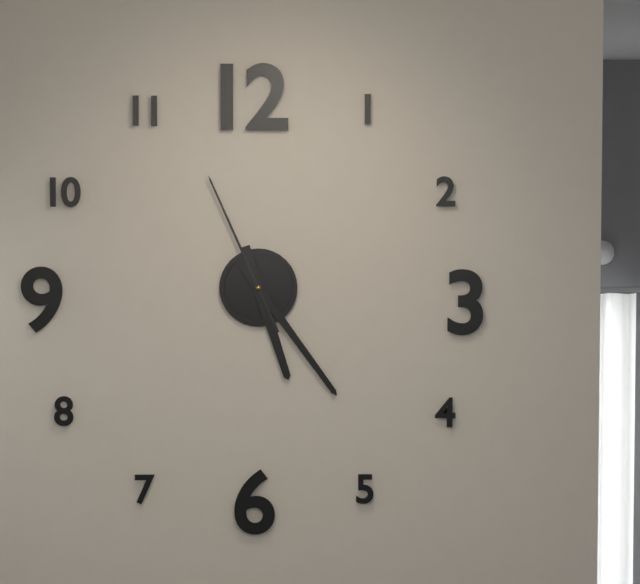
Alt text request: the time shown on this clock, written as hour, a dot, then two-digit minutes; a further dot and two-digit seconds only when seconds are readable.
5.24.56
